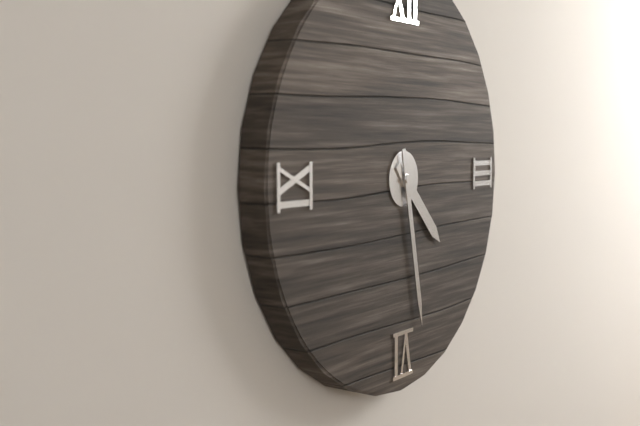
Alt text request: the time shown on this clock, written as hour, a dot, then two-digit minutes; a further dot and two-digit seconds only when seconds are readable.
4.28
